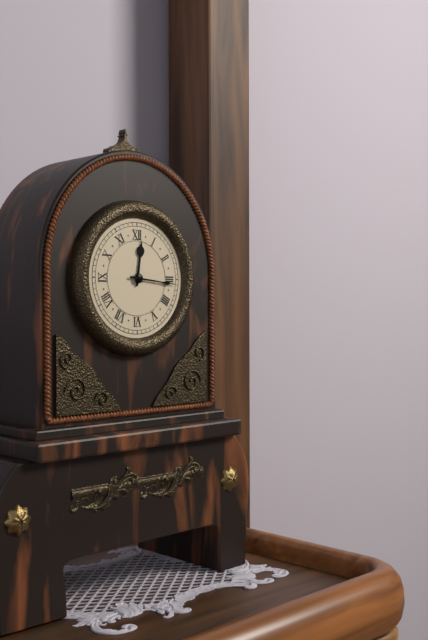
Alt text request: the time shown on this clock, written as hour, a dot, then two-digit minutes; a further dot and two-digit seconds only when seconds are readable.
12.16
